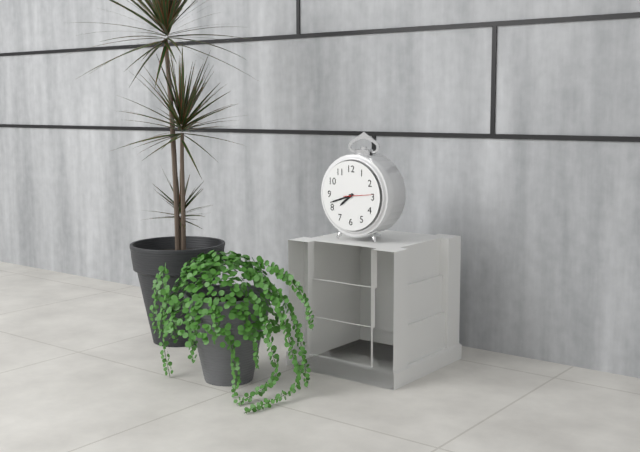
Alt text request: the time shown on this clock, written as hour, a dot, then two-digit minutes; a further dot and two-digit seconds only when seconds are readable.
7.42
